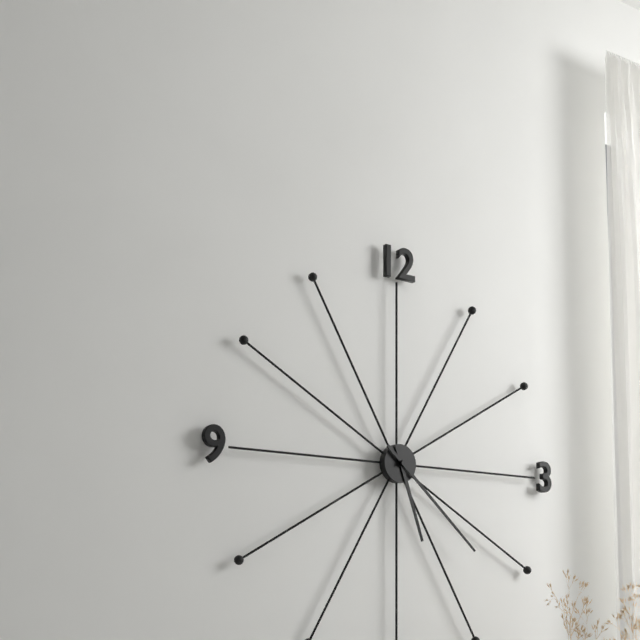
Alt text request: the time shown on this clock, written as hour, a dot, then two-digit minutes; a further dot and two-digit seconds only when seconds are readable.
5.22
